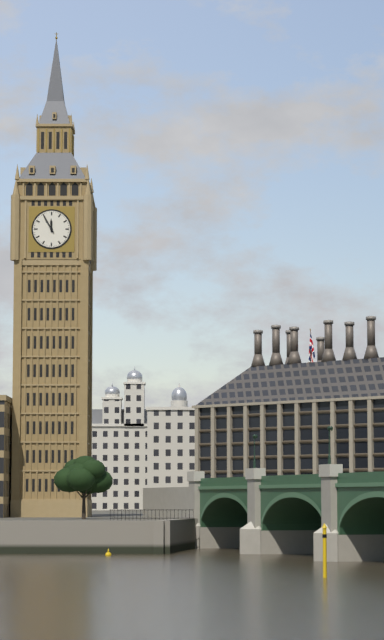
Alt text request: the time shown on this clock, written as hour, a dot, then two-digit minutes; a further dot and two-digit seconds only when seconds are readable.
11.55
